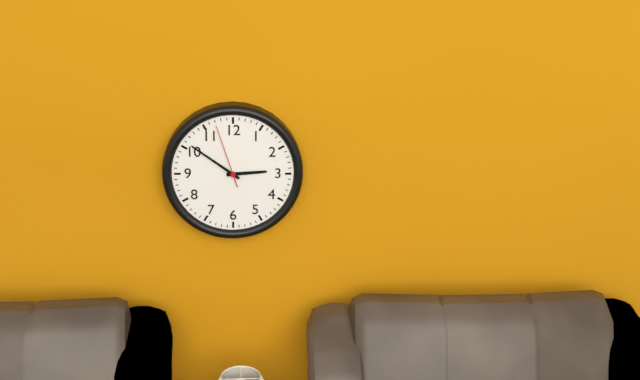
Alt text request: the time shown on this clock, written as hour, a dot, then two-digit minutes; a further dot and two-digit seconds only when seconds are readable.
2.51.57
